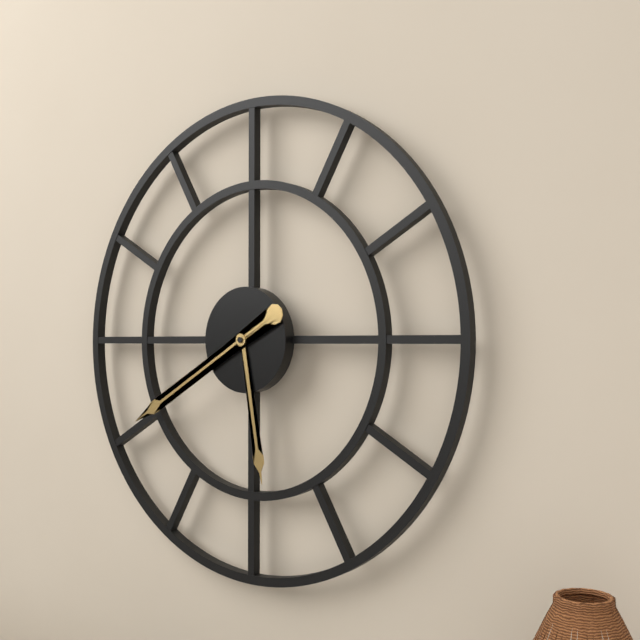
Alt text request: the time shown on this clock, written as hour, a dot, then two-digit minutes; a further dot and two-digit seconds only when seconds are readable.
5.40
